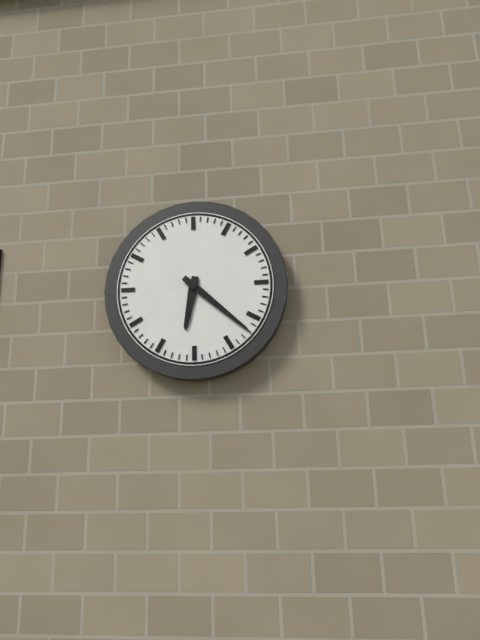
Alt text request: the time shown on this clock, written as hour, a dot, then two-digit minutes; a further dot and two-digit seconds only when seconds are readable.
6.22
